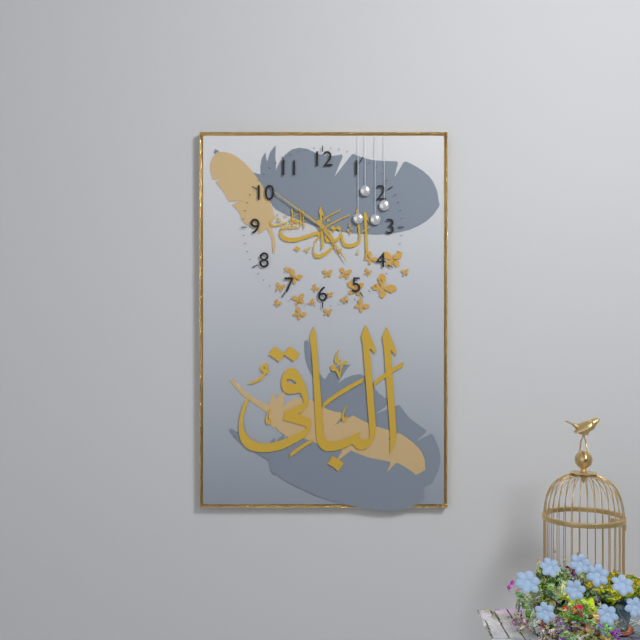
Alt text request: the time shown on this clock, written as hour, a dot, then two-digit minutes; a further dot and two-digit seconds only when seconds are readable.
4.51
